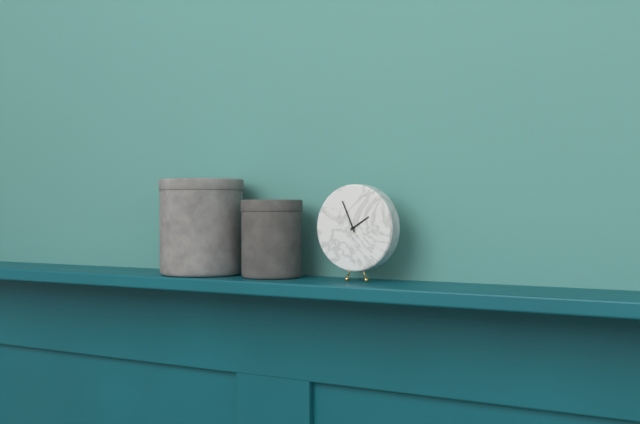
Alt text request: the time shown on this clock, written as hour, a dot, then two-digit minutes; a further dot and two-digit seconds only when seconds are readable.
1.56
